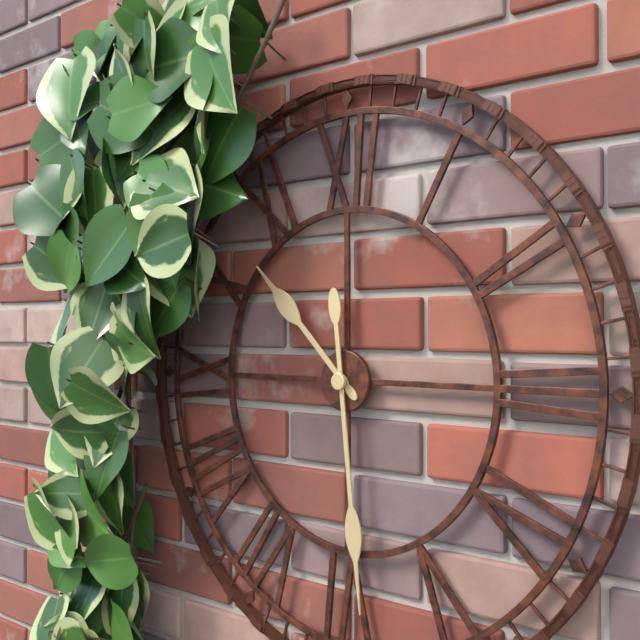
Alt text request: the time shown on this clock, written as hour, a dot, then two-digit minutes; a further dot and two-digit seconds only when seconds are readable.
10.29
